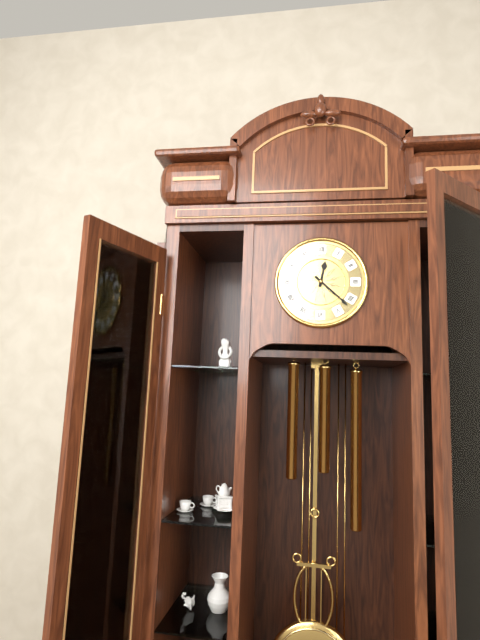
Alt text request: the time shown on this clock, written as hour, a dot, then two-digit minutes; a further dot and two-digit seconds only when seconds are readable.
12.22
